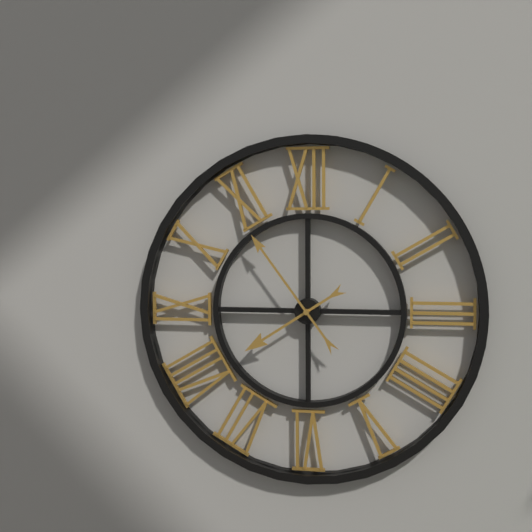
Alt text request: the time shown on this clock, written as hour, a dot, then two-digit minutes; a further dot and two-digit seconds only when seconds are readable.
7.54
